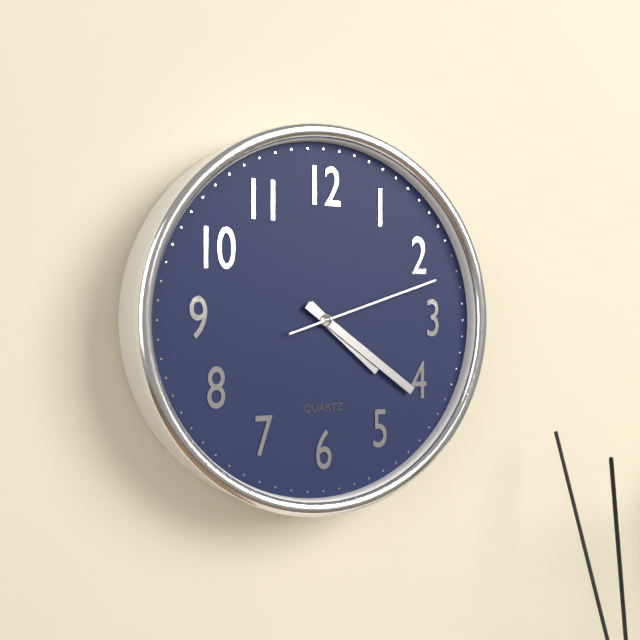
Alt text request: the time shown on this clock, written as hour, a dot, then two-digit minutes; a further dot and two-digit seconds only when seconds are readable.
4.21.12
